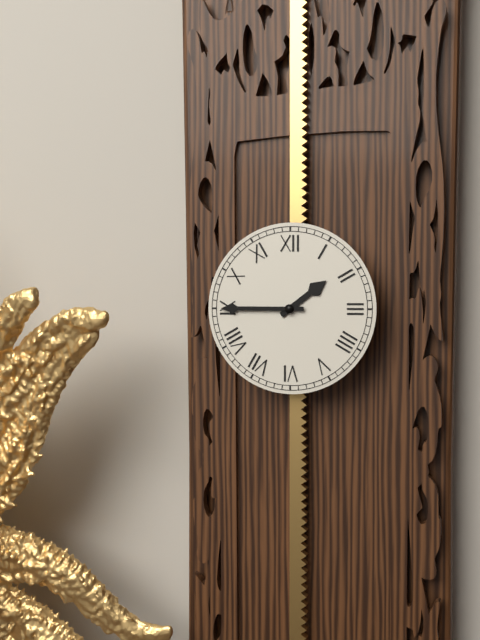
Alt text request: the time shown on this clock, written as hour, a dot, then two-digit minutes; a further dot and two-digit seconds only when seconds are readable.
1.45
